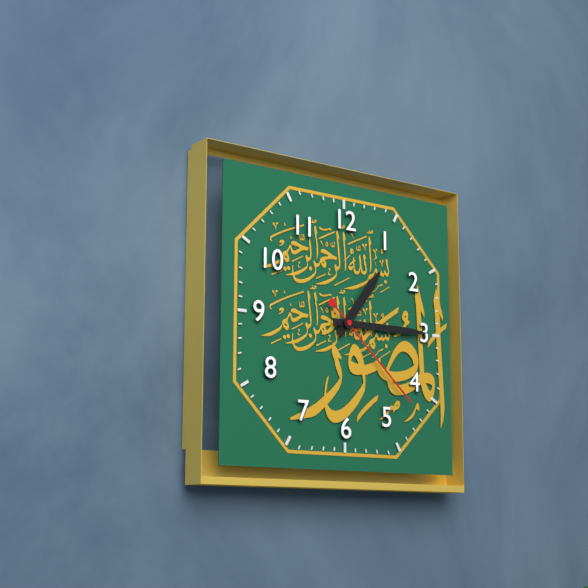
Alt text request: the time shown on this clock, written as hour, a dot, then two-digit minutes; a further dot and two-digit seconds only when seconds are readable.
1.15.22
